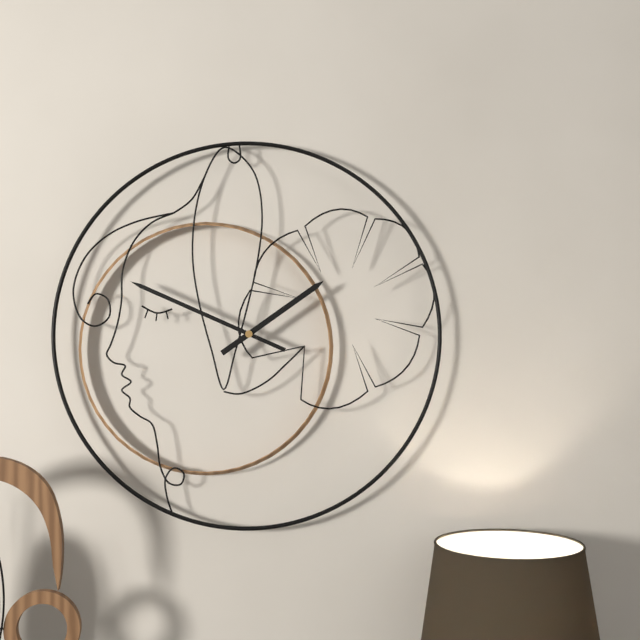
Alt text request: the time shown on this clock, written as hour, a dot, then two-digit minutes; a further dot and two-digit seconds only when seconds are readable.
1.49
